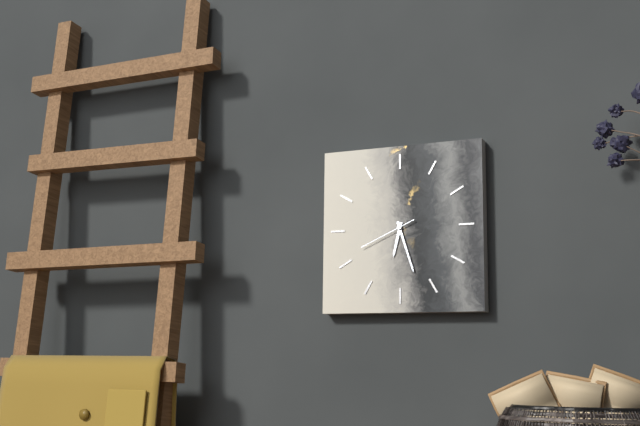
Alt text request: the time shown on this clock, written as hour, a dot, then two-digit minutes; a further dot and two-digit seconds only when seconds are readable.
6.27.41
